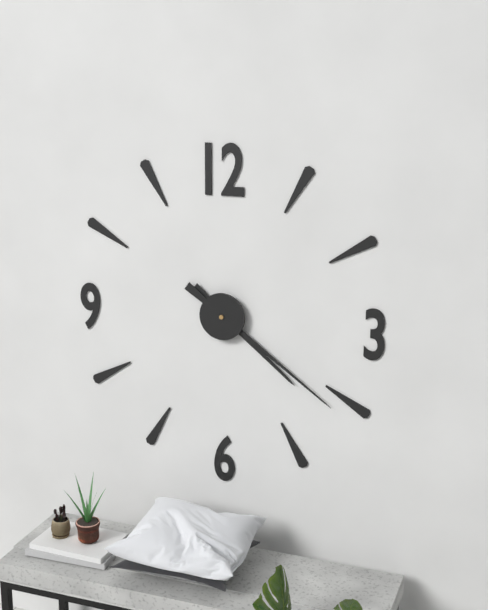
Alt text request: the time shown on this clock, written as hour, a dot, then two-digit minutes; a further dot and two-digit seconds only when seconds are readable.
4.21
